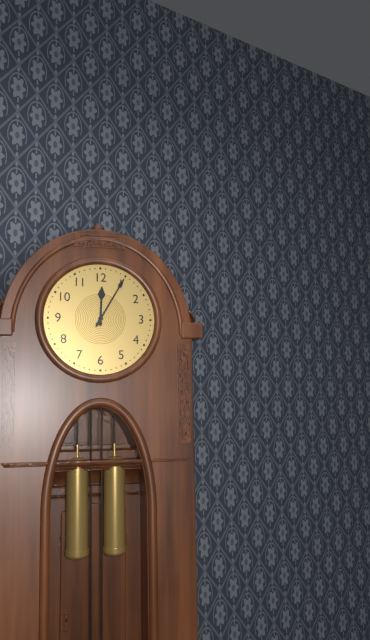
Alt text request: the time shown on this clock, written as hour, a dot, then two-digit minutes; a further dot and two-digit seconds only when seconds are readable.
12.05
